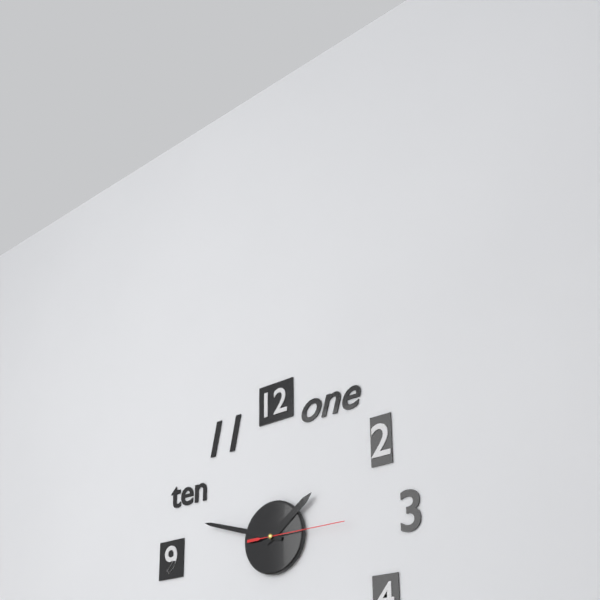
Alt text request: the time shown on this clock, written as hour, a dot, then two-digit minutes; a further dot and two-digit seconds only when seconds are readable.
1.48.15
